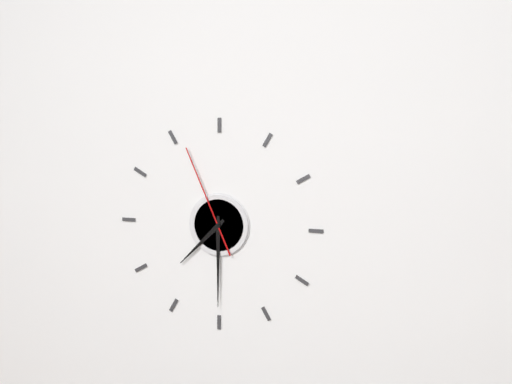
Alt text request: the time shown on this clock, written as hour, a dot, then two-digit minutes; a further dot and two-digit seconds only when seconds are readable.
7.30.56
